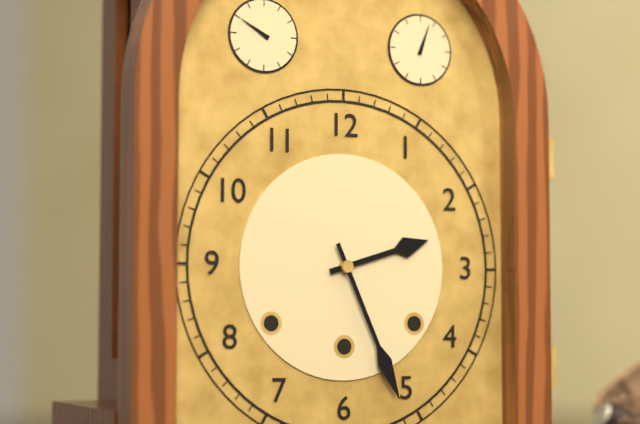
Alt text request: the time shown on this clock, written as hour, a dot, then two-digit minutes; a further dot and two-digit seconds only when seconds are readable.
2.26
